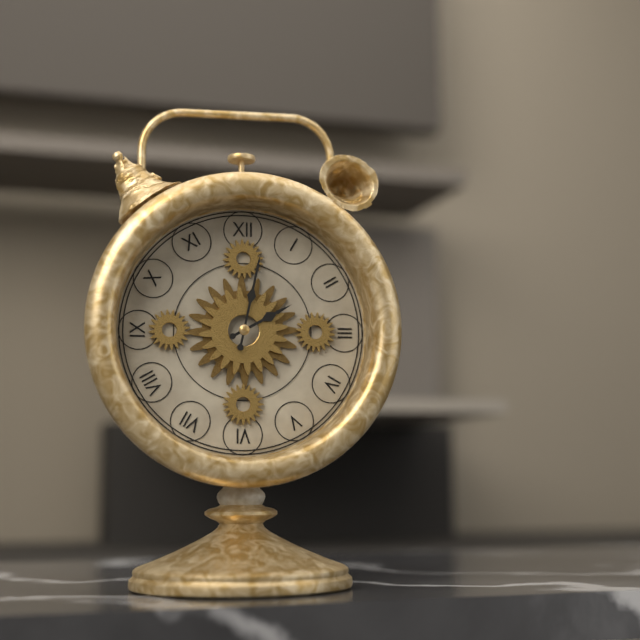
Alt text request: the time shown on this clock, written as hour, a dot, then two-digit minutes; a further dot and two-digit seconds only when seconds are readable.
2.02
